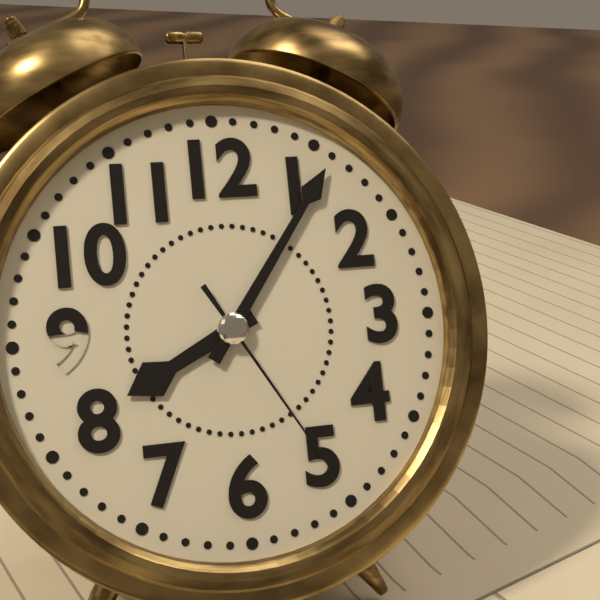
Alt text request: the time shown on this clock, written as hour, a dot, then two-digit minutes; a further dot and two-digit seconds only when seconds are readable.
8.06.25
